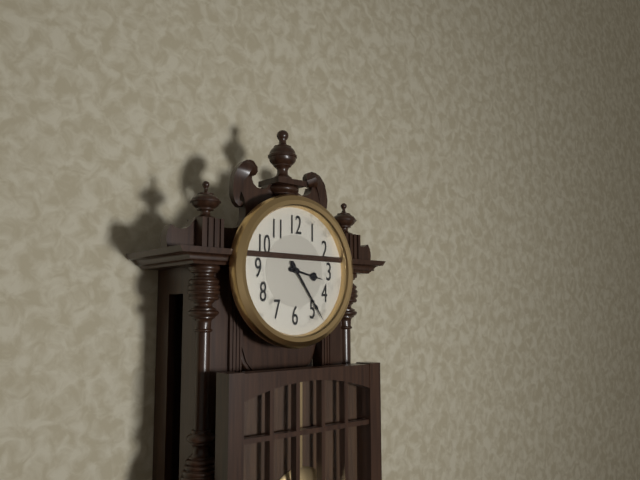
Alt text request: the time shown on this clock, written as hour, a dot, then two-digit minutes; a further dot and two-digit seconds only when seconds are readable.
3.24
